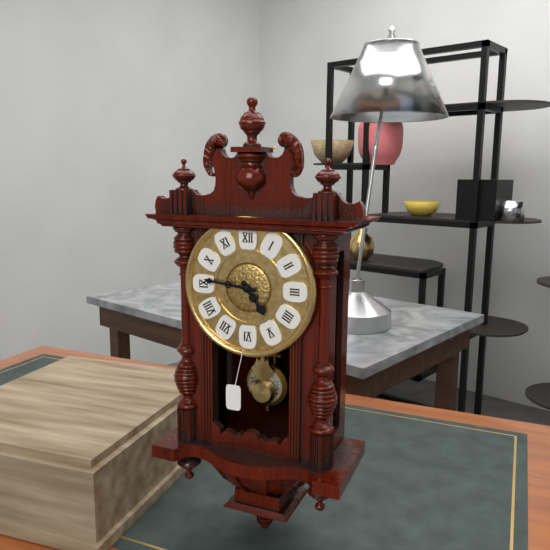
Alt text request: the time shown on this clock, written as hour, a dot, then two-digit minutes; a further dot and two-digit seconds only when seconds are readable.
4.46
